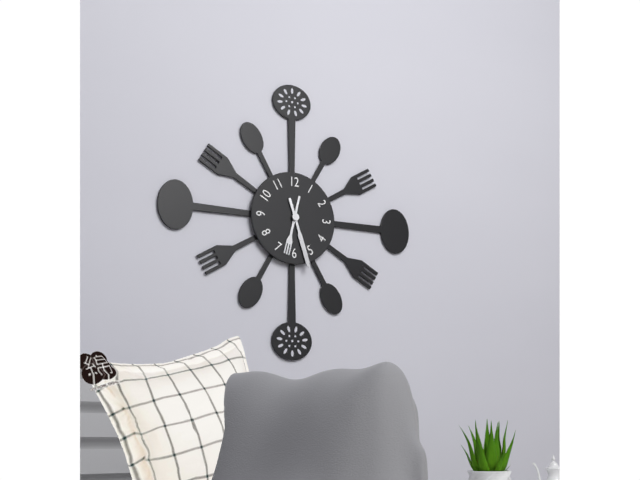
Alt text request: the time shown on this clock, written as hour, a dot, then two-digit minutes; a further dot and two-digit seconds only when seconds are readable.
6.27
